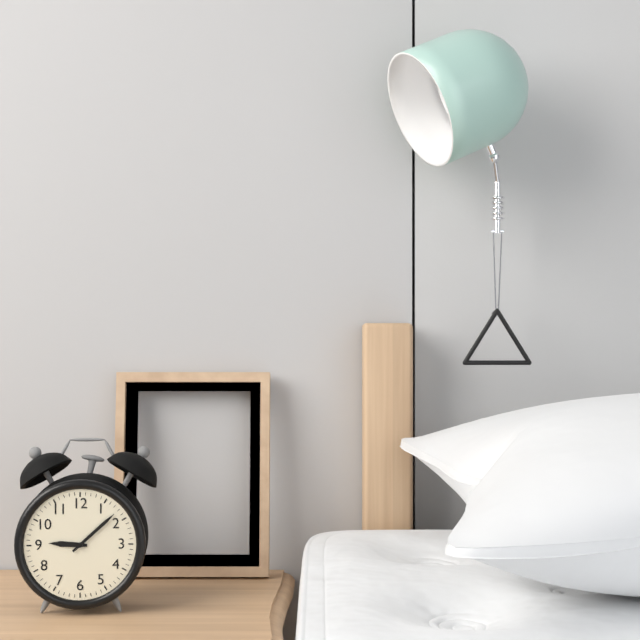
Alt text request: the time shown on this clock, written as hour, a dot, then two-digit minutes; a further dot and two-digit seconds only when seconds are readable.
9.08
